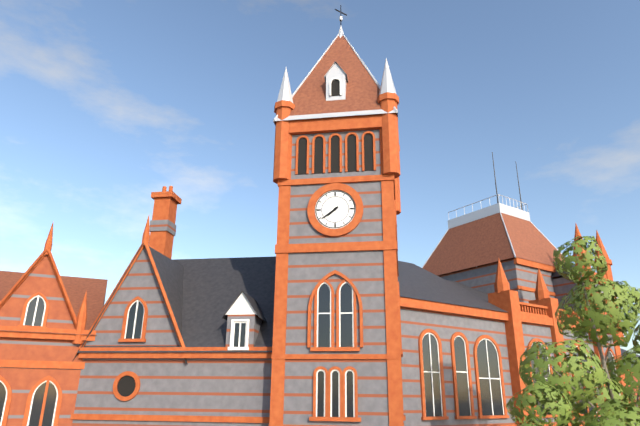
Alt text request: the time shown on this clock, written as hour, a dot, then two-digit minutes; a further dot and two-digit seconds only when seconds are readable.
7.39
